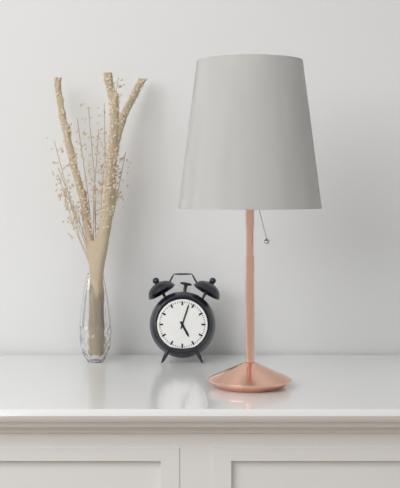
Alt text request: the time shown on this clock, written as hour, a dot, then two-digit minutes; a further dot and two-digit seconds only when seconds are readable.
5.03
